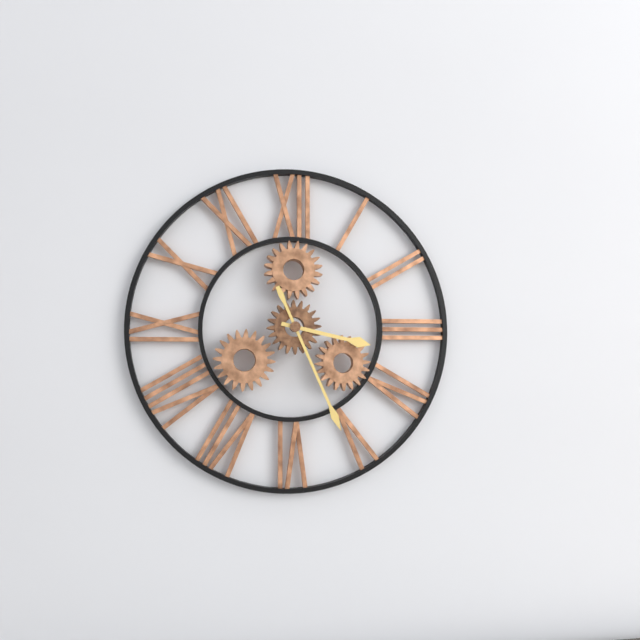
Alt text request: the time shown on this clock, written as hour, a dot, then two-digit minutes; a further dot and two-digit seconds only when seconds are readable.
3.26
